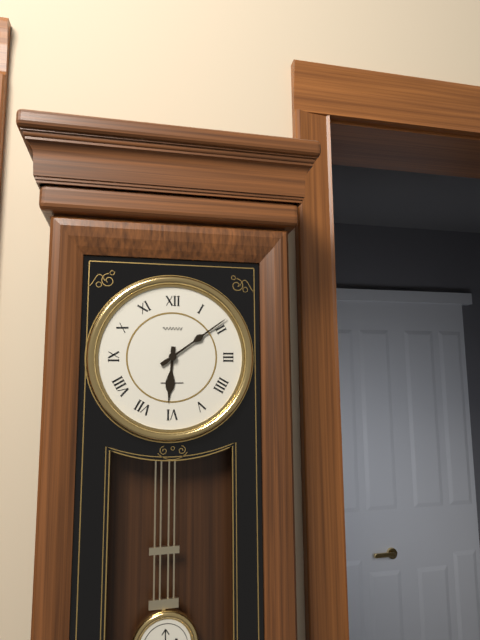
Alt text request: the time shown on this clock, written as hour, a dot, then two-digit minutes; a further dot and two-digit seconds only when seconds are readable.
6.09
